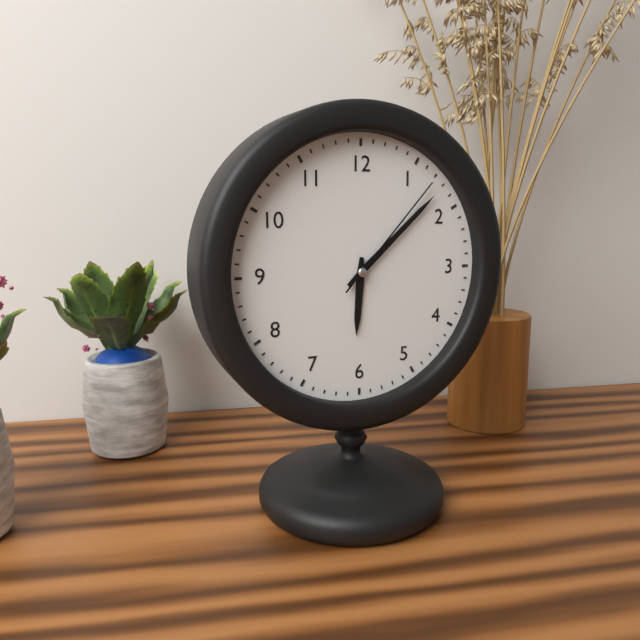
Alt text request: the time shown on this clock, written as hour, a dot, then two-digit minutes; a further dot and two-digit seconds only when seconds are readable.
6.08.07
